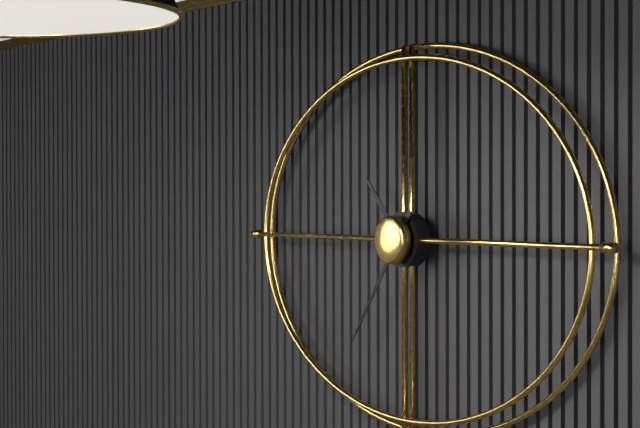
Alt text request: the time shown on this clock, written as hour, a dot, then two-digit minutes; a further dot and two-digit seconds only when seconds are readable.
10.36
